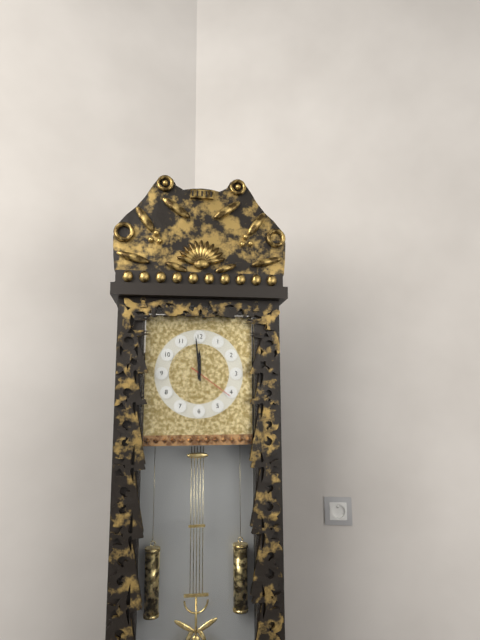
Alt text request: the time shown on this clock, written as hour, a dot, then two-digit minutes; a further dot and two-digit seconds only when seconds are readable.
11.59
